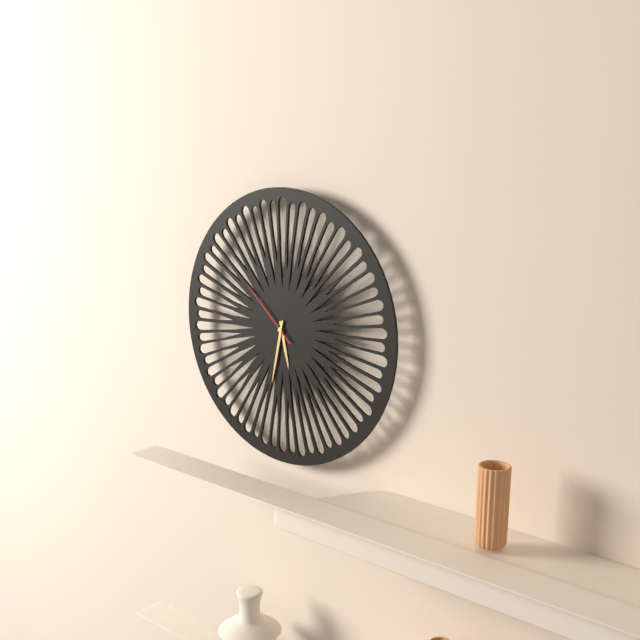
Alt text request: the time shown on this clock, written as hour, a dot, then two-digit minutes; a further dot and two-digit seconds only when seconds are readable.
5.32.52
